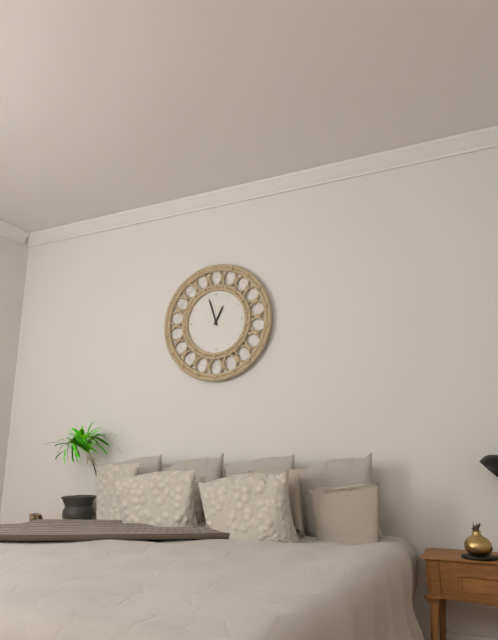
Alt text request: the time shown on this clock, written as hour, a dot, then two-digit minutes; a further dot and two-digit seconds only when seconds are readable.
12.57
